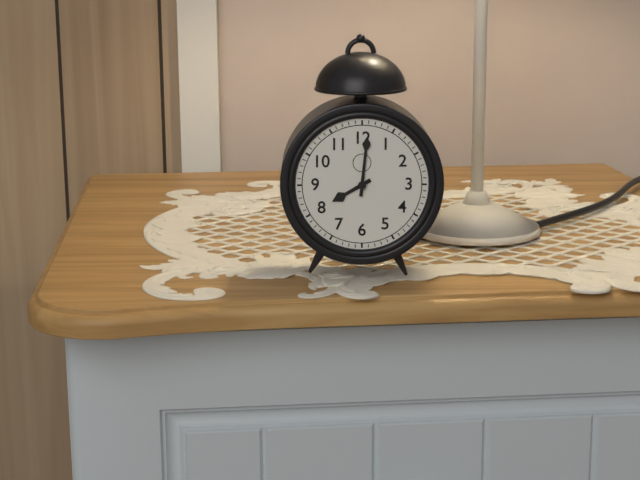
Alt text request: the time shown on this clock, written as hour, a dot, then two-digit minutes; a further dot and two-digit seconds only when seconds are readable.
8.01
